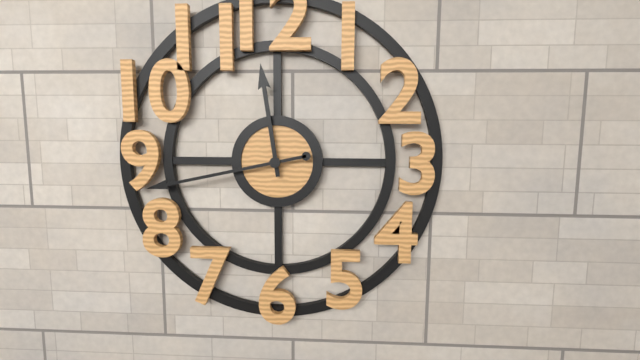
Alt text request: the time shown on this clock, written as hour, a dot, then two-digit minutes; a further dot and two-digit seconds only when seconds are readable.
11.43
